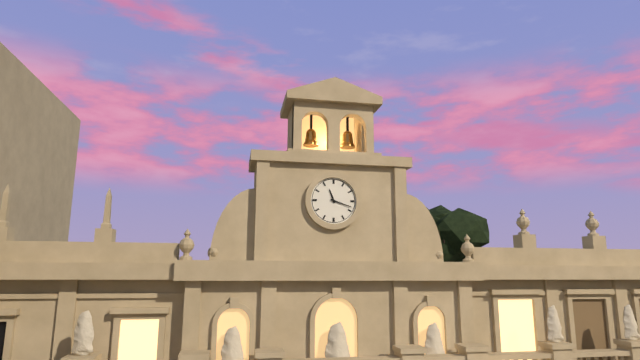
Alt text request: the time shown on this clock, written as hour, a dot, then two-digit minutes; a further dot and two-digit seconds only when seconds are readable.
11.18
